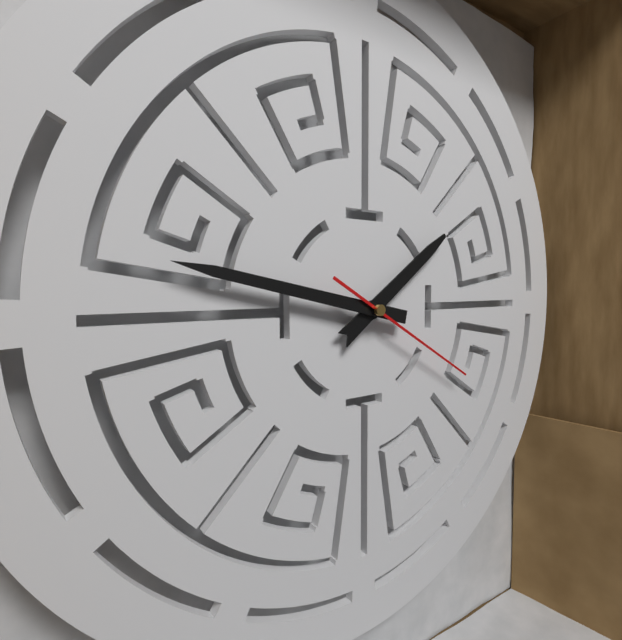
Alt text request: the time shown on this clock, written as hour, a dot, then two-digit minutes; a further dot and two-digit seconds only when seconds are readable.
1.47.20
